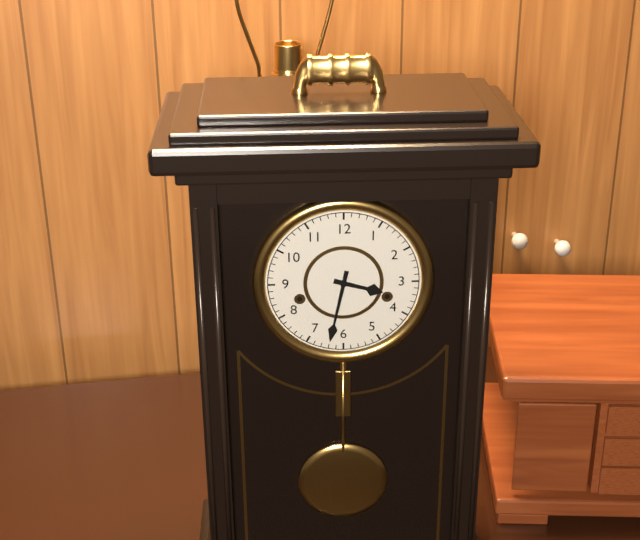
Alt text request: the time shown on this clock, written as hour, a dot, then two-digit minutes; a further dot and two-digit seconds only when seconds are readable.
3.32
